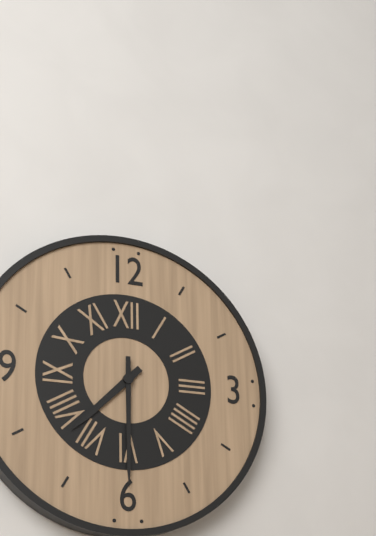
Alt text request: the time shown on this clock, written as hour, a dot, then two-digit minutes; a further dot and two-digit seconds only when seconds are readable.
7.30
